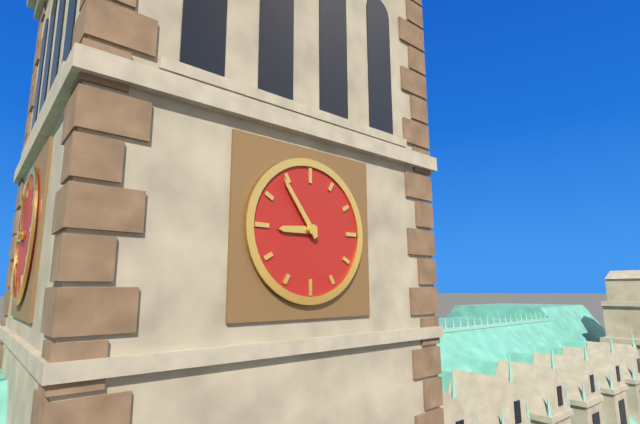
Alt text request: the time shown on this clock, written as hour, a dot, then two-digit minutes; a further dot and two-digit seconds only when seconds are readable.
8.54
